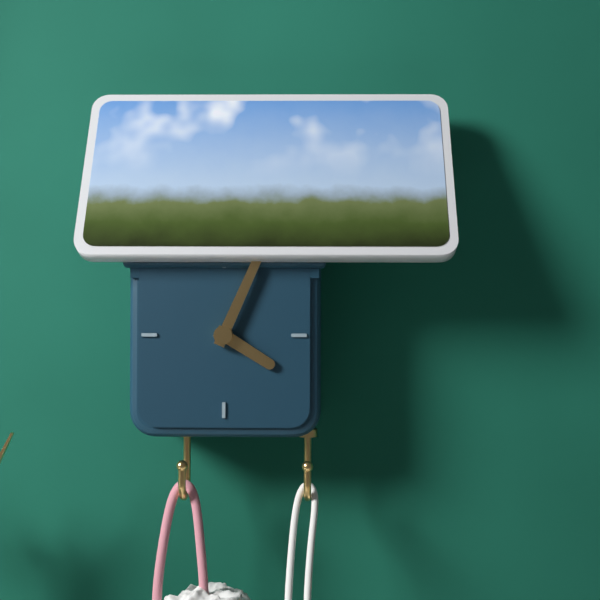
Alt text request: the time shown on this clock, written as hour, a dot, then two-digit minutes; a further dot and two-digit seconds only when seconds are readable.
4.04
